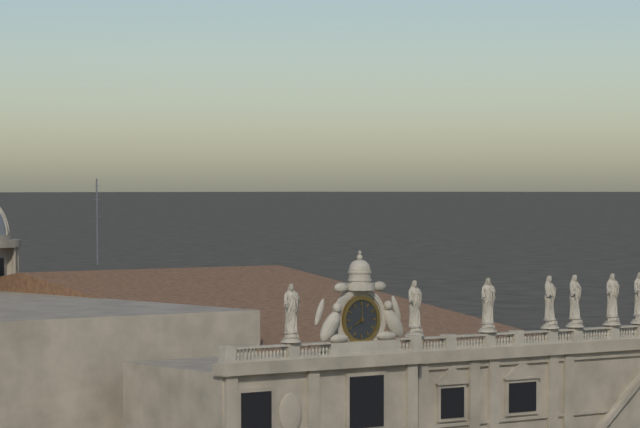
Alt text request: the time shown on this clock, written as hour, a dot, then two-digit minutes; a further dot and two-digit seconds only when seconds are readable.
8.00
